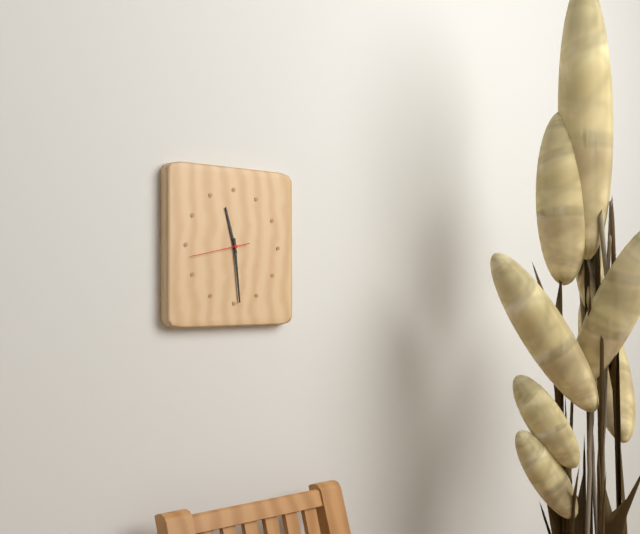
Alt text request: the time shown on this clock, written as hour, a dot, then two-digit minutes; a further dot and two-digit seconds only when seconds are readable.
11.29.43
